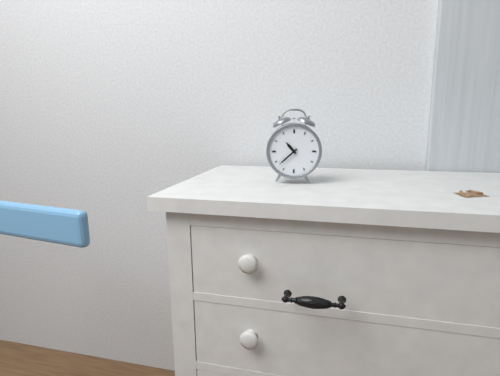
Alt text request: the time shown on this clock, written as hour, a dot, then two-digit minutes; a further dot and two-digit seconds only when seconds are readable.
10.38
